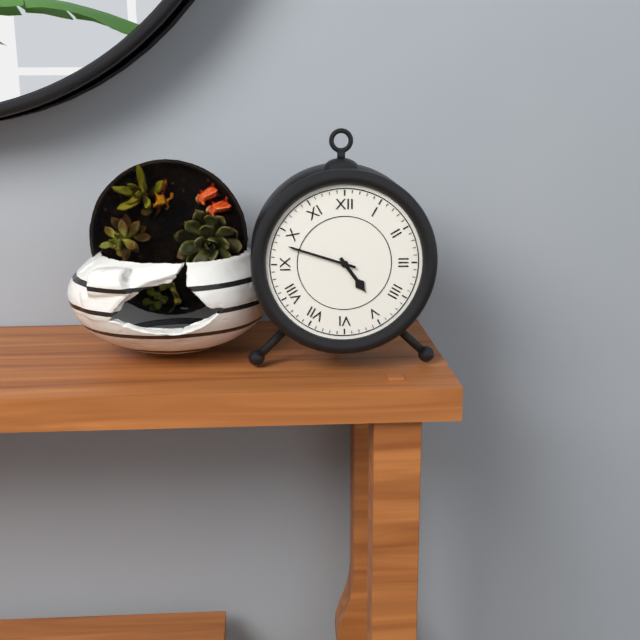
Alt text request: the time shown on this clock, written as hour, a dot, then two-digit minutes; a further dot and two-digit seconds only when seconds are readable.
4.48
